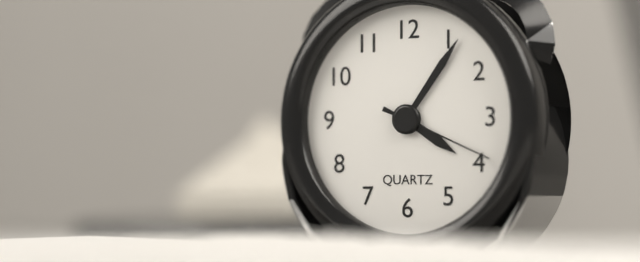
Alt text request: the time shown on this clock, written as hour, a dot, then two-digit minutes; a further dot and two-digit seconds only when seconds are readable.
4.06.19
